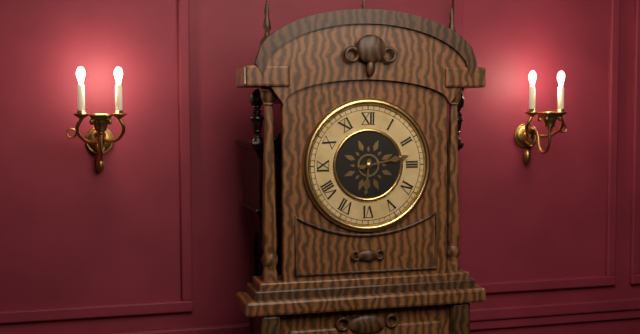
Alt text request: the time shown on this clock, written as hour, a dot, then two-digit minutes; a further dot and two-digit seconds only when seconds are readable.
6.13
